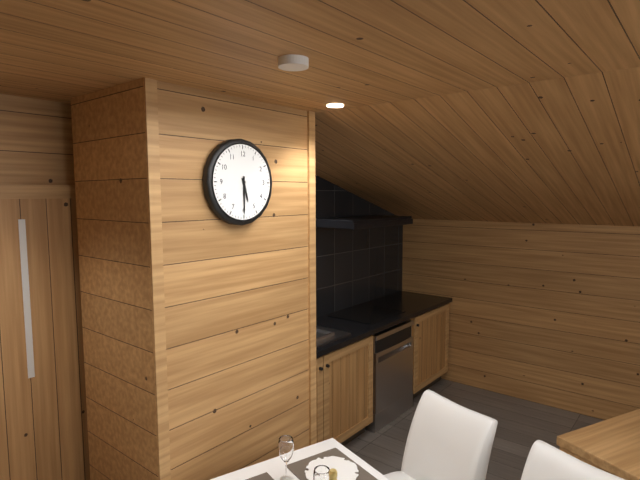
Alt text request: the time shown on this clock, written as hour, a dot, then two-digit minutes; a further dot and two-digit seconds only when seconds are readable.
5.30
